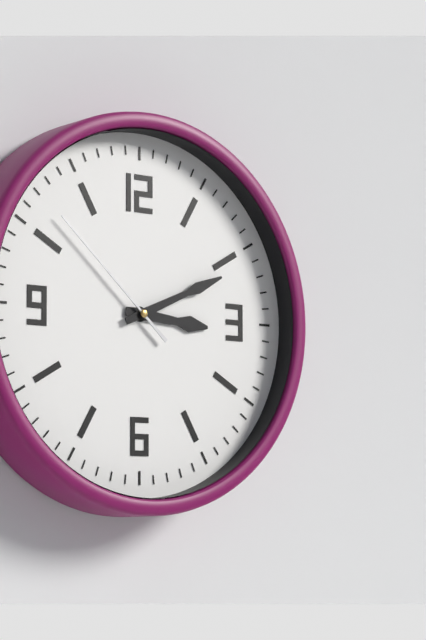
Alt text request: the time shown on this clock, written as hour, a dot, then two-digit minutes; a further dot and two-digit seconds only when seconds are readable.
3.11.52
